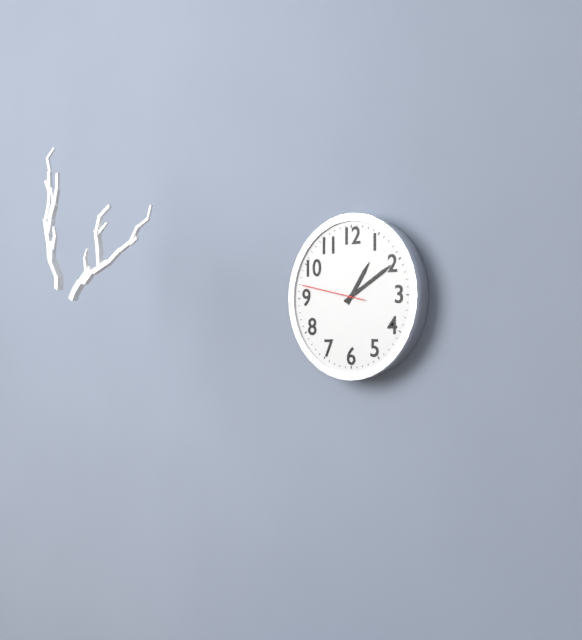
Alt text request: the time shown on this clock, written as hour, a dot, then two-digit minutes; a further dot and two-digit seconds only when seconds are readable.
1.10.47
